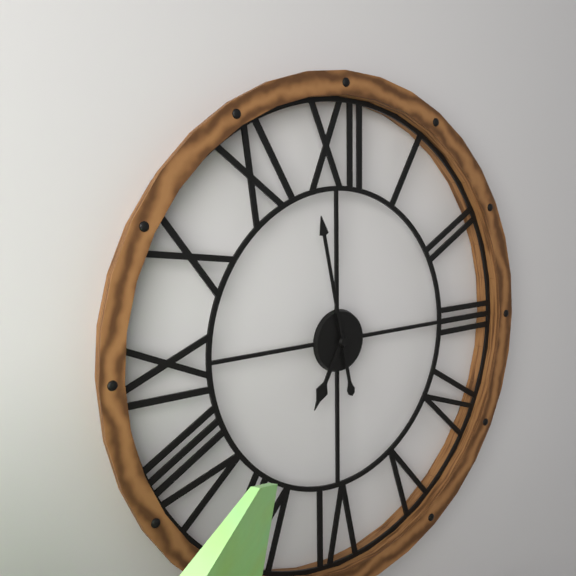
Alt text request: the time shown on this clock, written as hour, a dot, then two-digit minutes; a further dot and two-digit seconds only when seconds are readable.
6.58
